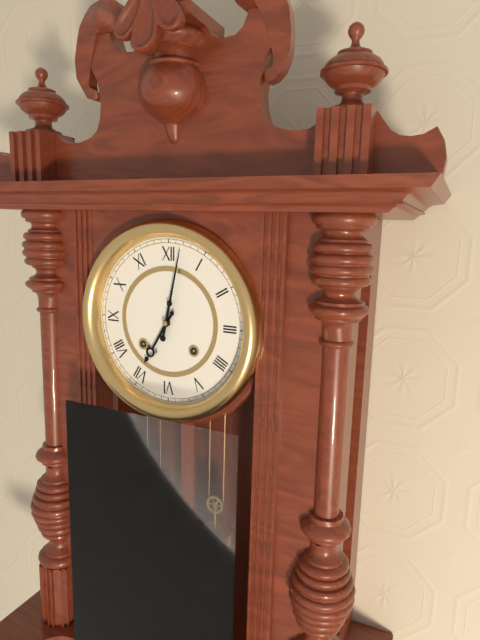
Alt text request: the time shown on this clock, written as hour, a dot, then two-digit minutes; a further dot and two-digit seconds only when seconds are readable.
7.02
